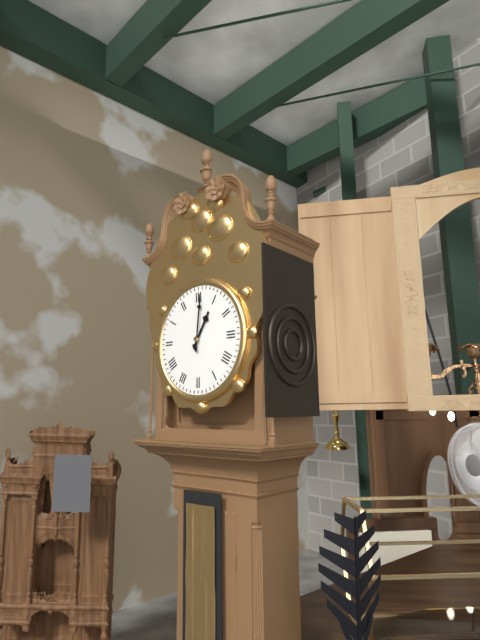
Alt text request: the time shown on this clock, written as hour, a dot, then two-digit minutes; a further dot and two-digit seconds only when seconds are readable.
1.01
